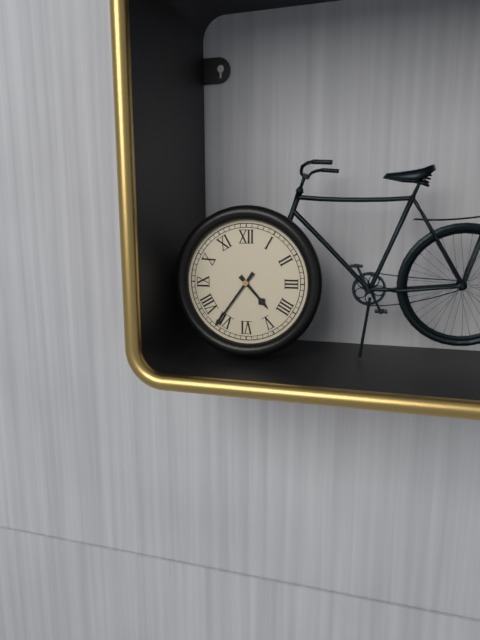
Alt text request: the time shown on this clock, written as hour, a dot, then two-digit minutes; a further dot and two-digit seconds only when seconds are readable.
4.36
